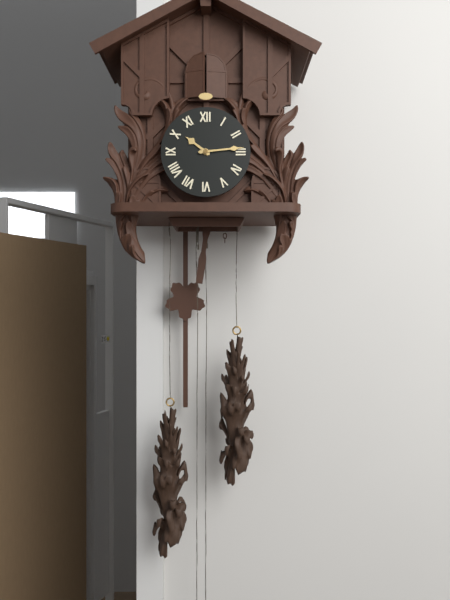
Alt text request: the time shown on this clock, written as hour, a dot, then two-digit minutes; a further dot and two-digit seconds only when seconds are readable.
10.14
